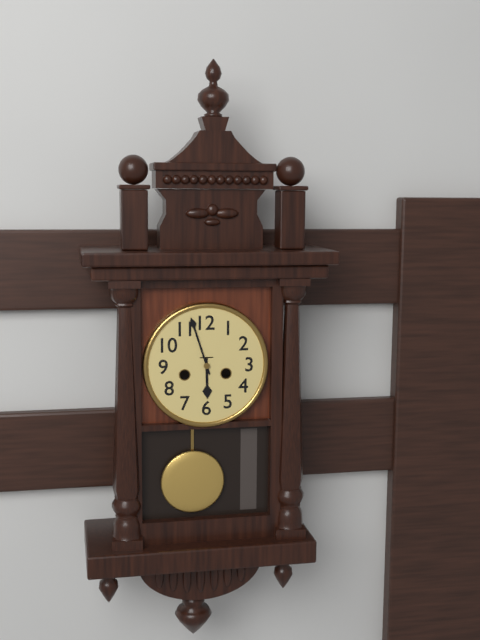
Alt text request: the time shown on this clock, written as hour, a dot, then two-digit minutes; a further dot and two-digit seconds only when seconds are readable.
5.57
